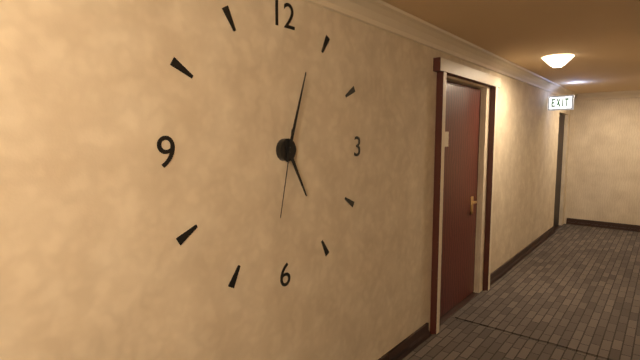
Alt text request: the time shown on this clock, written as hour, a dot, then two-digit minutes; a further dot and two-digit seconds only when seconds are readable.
5.03.32
